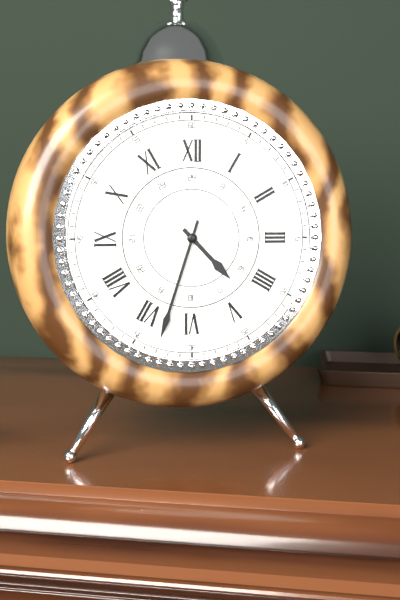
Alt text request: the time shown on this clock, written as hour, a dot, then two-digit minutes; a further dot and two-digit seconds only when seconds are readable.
4.33
